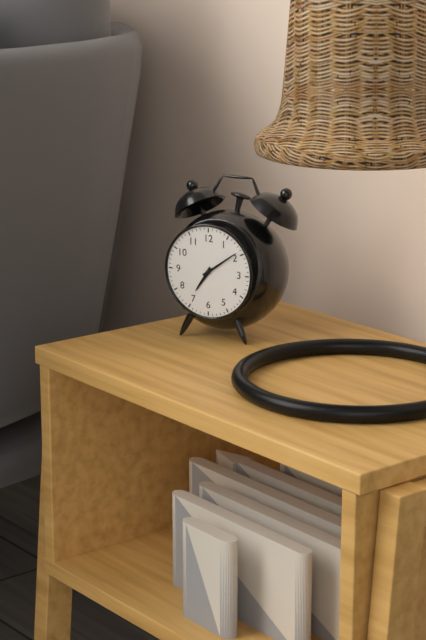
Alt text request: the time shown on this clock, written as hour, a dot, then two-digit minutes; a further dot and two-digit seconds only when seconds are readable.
7.09
